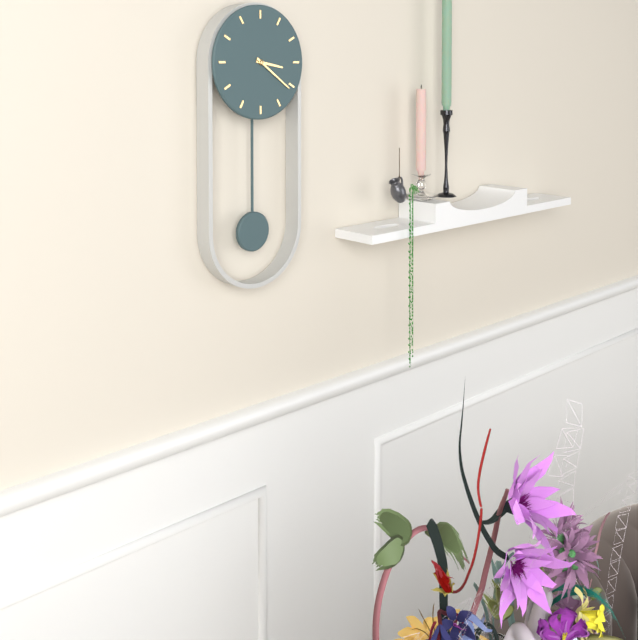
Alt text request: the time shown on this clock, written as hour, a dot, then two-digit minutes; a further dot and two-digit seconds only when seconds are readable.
3.21
